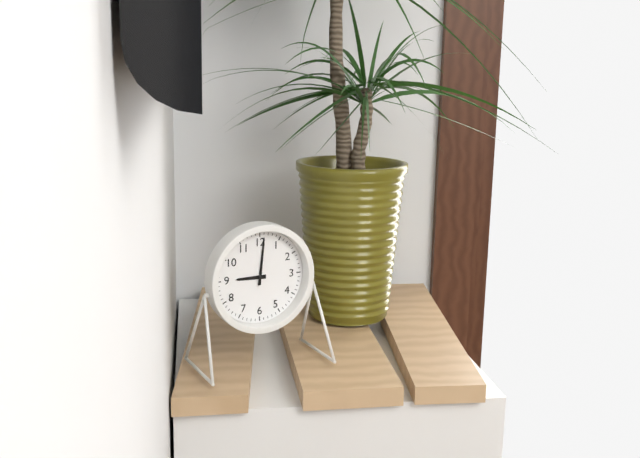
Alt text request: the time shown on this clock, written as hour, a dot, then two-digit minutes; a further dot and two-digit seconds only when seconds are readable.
9.01
